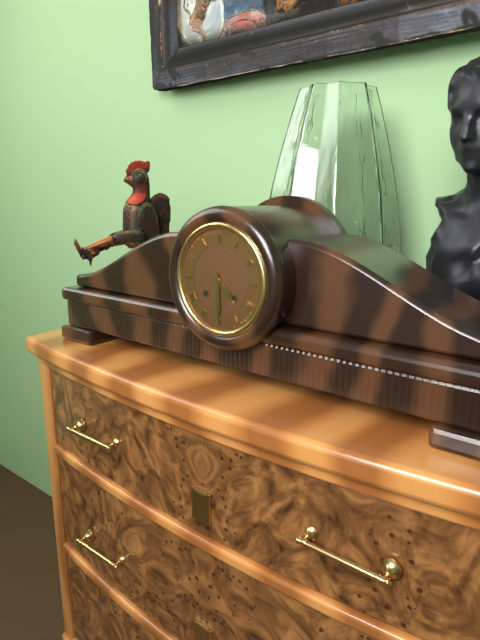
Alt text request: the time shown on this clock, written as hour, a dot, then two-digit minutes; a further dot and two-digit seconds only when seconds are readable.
4.30
